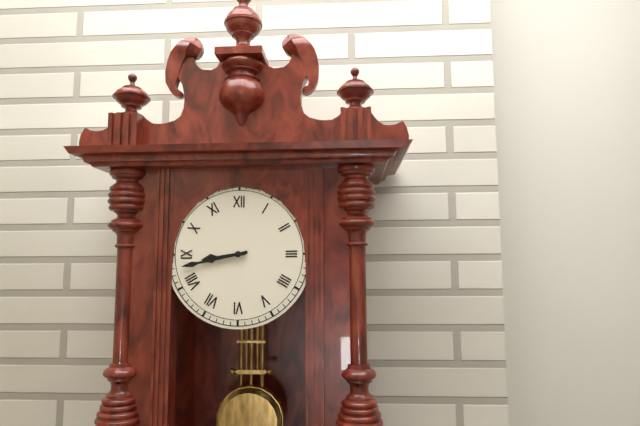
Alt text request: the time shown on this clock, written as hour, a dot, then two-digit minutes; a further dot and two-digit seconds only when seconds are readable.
8.43
